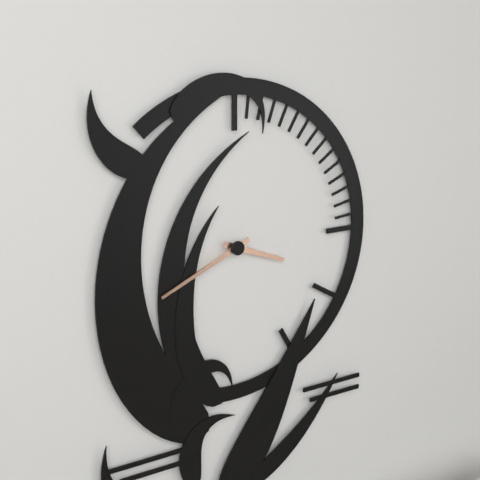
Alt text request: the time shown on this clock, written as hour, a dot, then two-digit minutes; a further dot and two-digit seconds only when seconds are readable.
3.41
